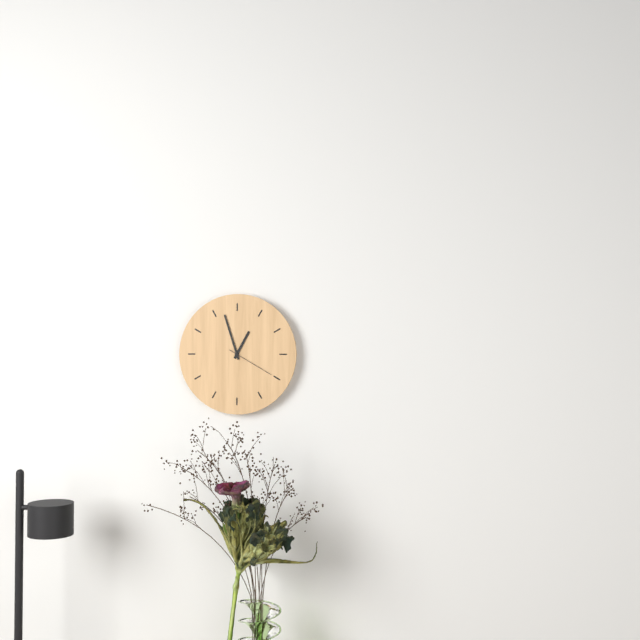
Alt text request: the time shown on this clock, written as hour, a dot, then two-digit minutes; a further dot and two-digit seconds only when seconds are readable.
12.57
